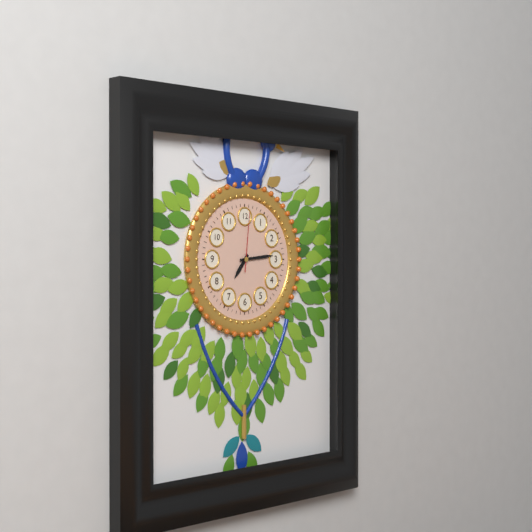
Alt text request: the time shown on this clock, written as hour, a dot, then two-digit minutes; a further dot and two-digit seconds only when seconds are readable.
7.14.01
